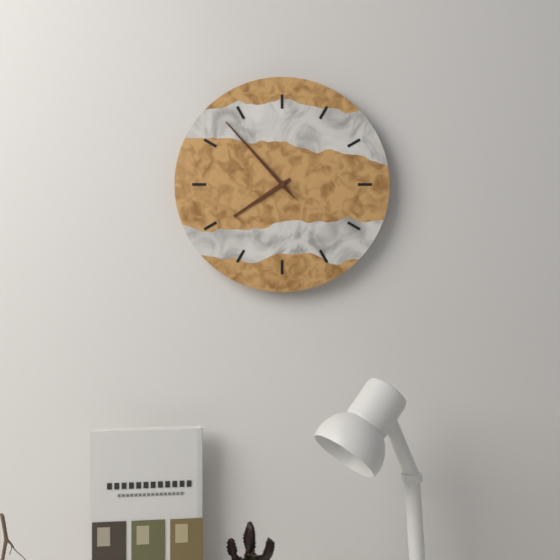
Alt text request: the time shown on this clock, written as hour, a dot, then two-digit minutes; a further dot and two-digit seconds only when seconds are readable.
7.53.53
